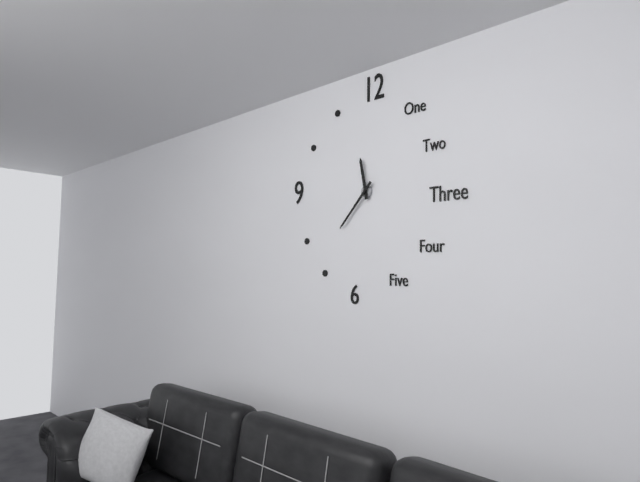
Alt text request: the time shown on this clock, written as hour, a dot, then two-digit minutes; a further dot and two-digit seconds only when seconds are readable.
11.37
